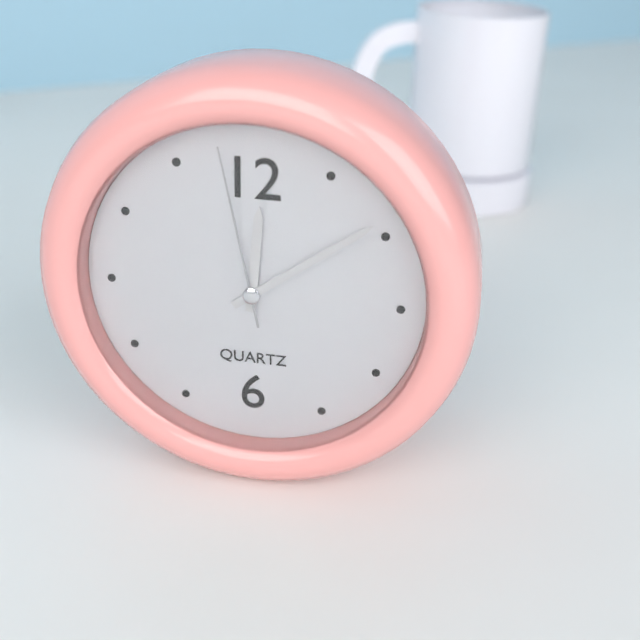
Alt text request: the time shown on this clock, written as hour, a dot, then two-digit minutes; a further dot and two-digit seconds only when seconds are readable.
12.09.58
